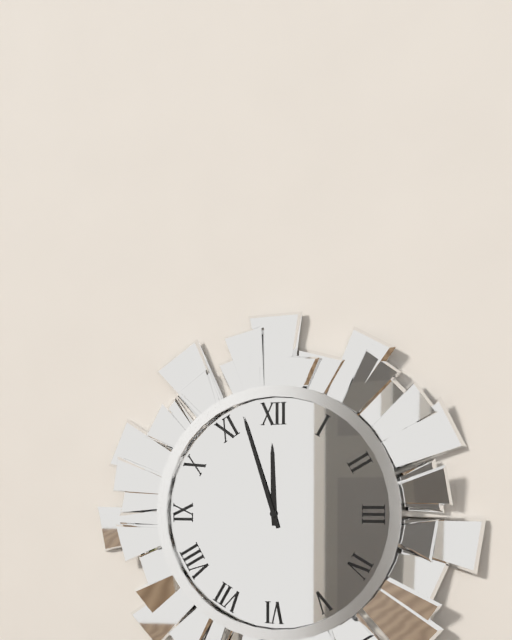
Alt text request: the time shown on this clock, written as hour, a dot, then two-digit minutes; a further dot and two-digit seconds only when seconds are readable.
11.57
